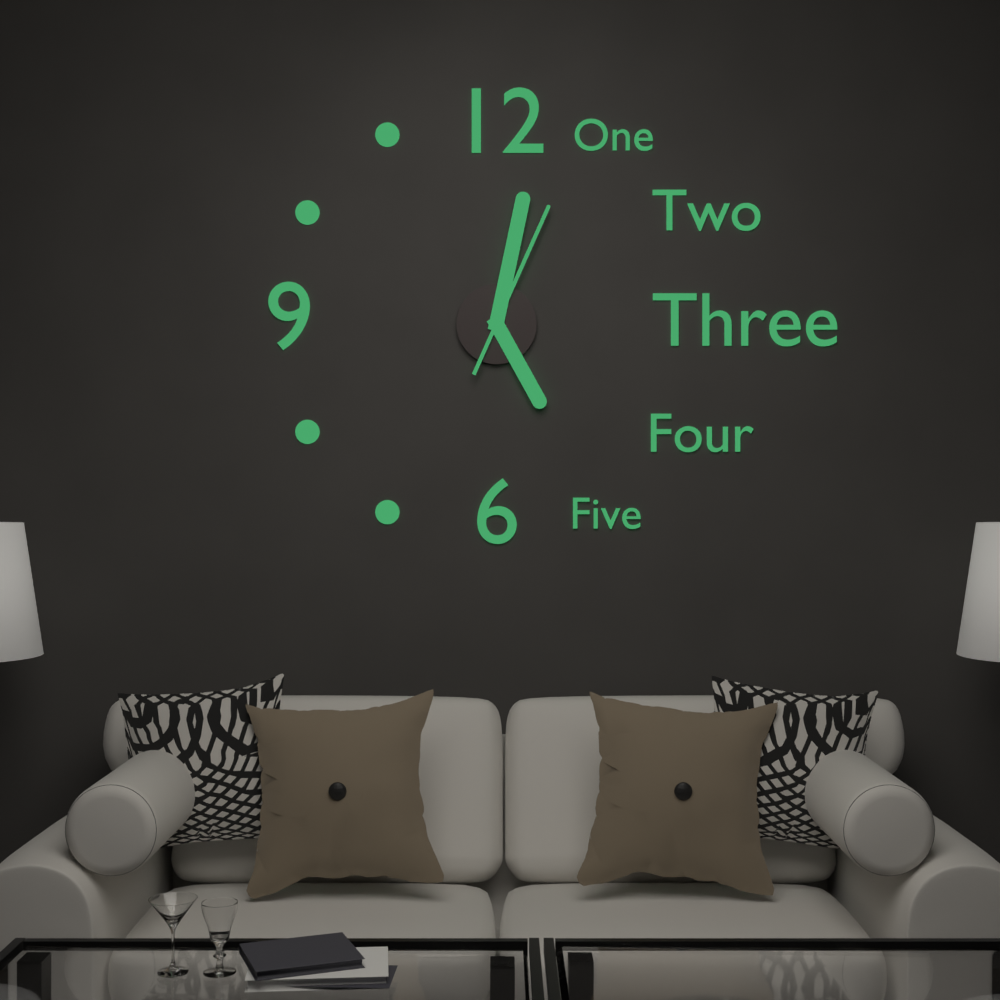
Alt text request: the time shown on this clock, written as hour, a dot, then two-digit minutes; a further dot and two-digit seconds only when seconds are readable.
5.02.04
